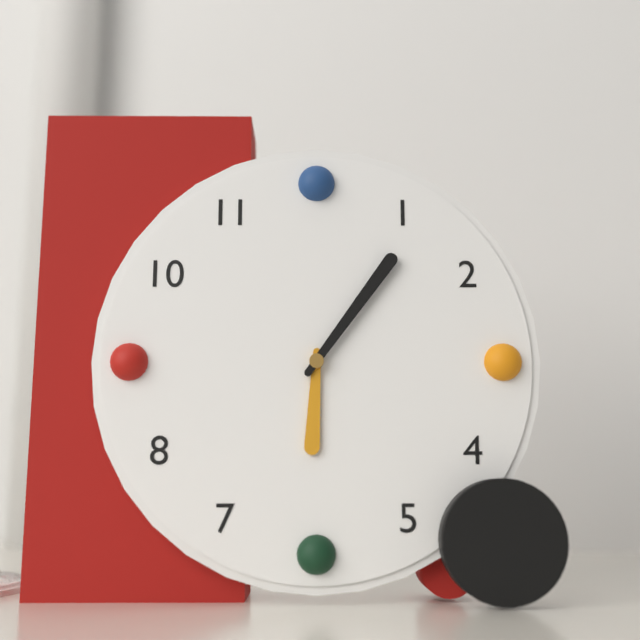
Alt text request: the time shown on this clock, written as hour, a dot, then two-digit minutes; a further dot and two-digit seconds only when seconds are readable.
6.06
